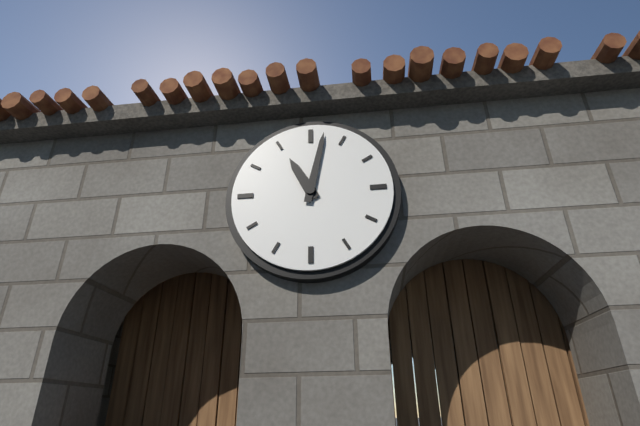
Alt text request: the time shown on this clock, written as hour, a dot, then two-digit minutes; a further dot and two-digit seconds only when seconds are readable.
11.02
